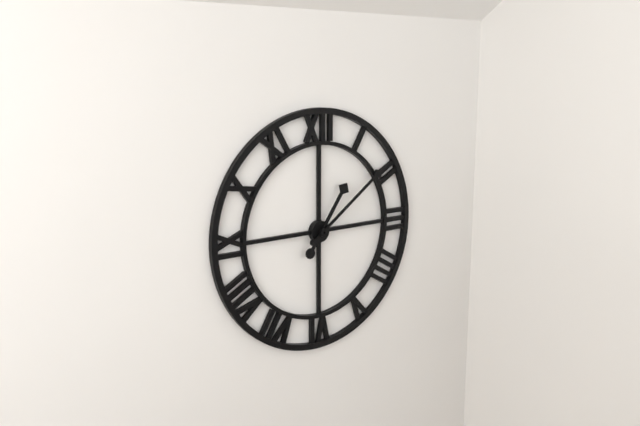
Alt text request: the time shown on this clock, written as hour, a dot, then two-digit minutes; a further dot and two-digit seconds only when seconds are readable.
1.09
